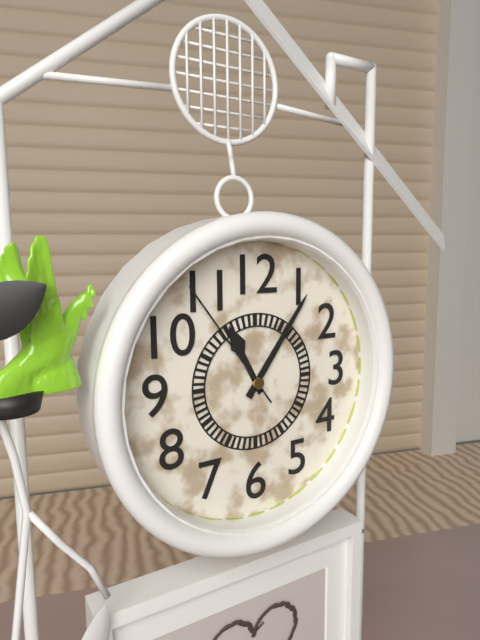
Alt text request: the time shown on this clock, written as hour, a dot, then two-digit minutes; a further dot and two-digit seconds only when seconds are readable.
11.06.54
